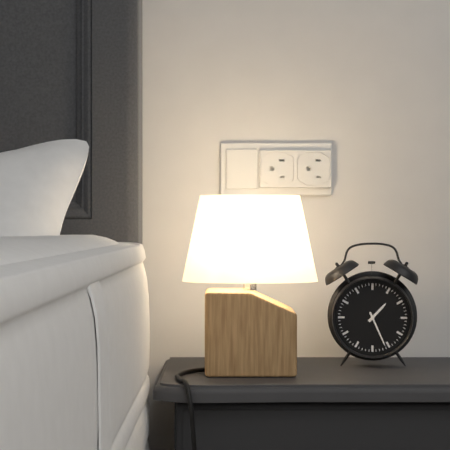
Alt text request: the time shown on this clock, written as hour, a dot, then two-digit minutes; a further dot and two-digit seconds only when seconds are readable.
1.26
